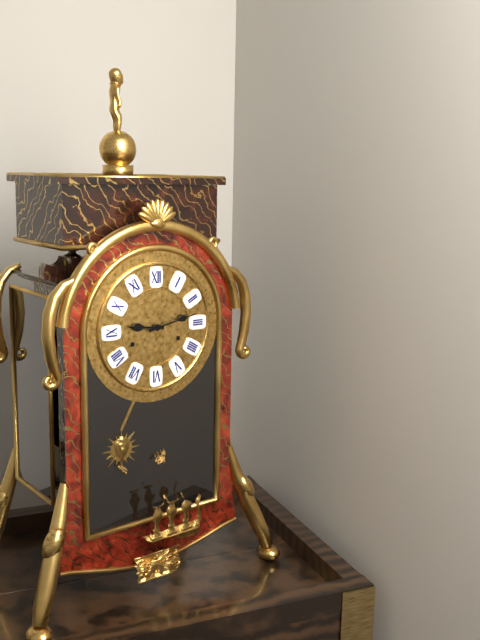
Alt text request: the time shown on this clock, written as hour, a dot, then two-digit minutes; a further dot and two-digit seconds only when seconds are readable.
9.13
